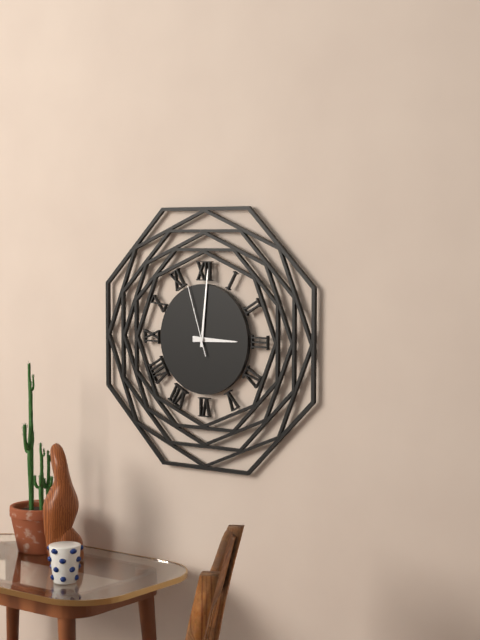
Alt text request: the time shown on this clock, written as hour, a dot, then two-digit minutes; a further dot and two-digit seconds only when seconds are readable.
3.01.57
